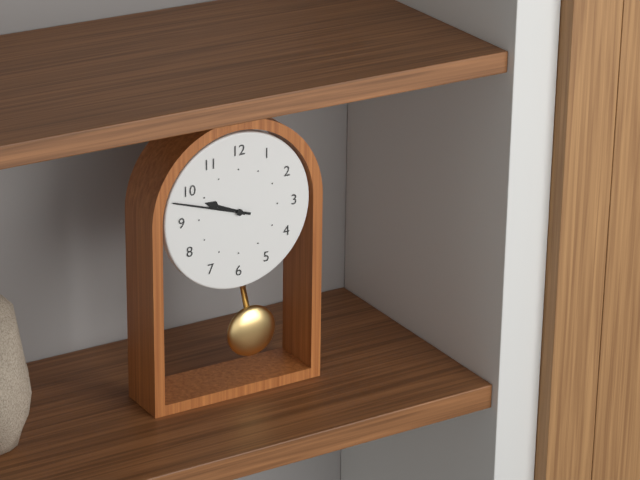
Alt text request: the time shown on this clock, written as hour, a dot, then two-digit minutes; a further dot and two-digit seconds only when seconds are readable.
9.48
